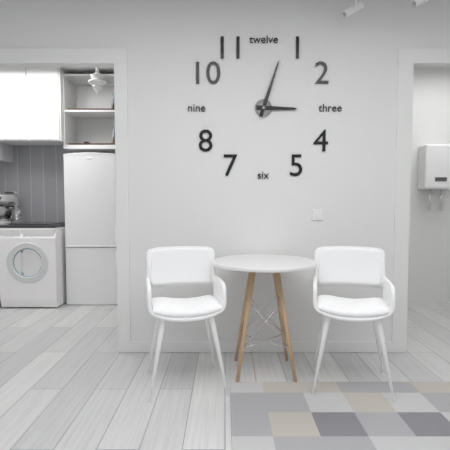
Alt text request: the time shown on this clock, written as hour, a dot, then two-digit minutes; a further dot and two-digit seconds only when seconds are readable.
3.03
